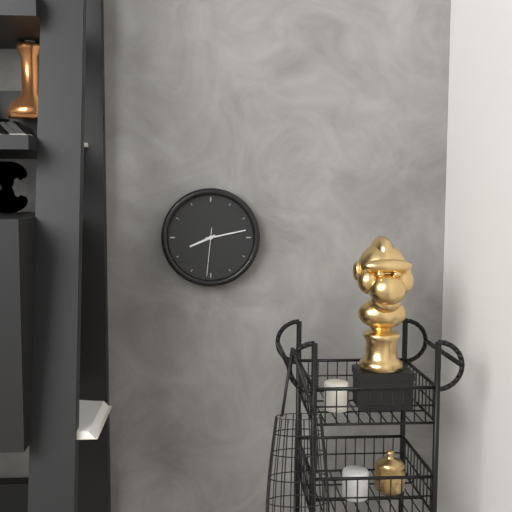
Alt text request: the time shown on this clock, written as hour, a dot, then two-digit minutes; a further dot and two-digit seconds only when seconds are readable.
8.13
